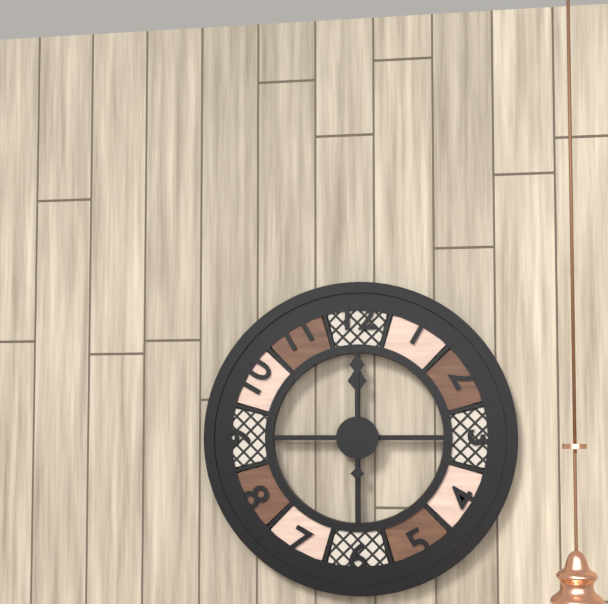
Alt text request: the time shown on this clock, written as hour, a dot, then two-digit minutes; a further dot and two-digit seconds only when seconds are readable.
12.00
